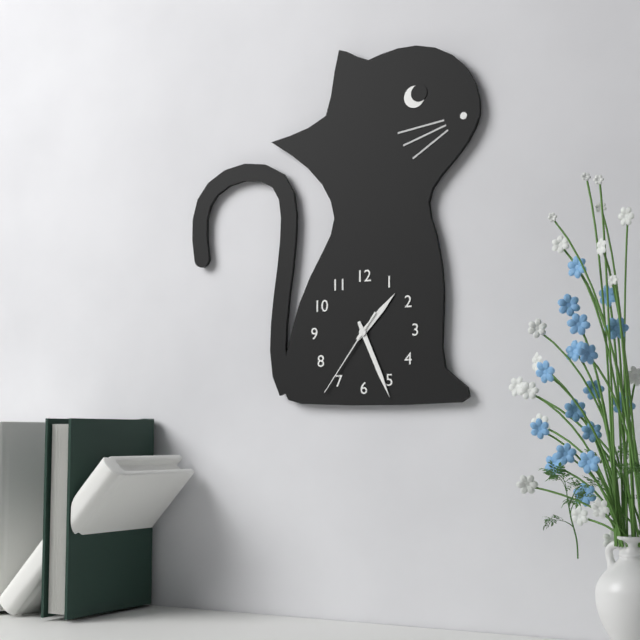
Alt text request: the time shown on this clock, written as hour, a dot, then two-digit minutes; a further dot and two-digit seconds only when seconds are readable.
1.26.36
